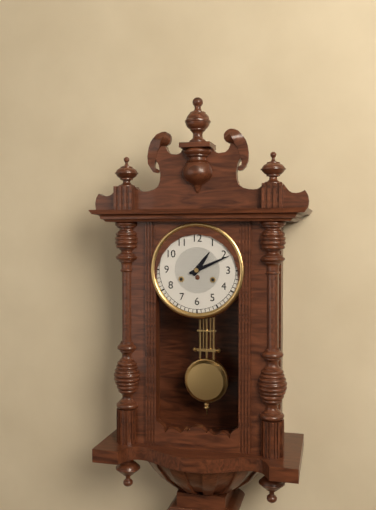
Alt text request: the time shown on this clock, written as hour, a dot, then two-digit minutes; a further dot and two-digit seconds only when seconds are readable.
1.11
